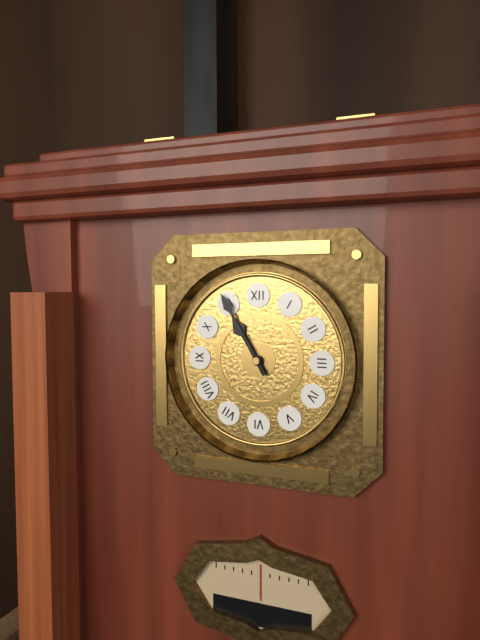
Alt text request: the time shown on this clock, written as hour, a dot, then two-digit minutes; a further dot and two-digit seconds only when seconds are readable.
10.55
